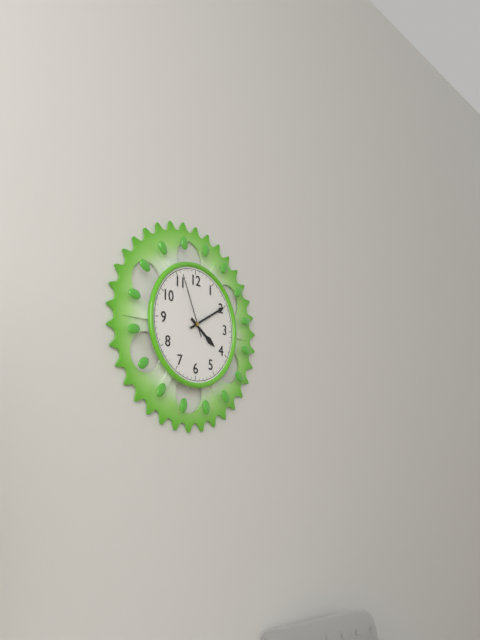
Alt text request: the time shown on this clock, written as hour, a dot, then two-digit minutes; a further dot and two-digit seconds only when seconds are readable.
4.10.56
